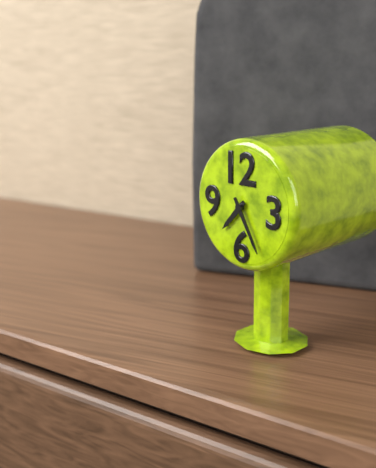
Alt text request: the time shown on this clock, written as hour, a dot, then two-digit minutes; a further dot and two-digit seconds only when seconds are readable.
7.25
